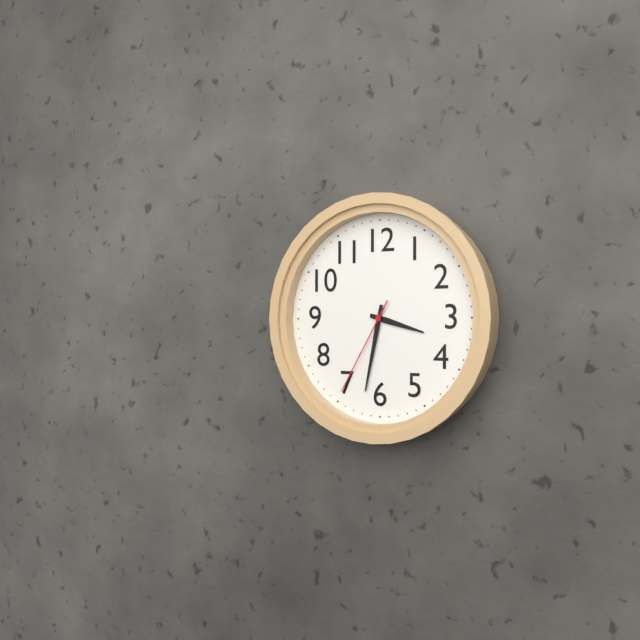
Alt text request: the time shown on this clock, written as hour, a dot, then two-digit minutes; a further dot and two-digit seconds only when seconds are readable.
3.32.35
